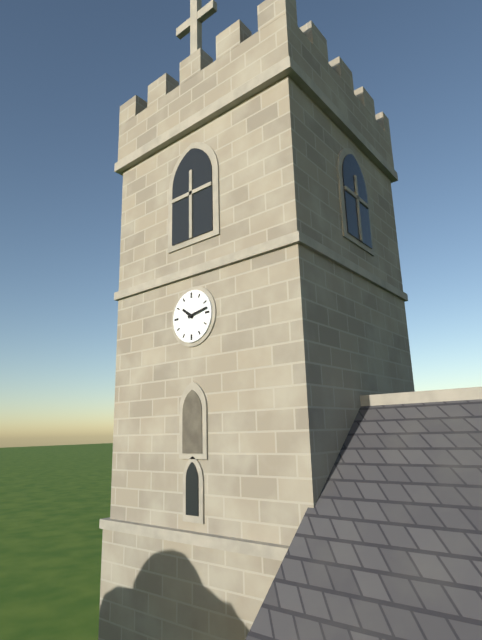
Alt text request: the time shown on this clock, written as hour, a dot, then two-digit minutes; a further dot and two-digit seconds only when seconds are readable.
10.13
